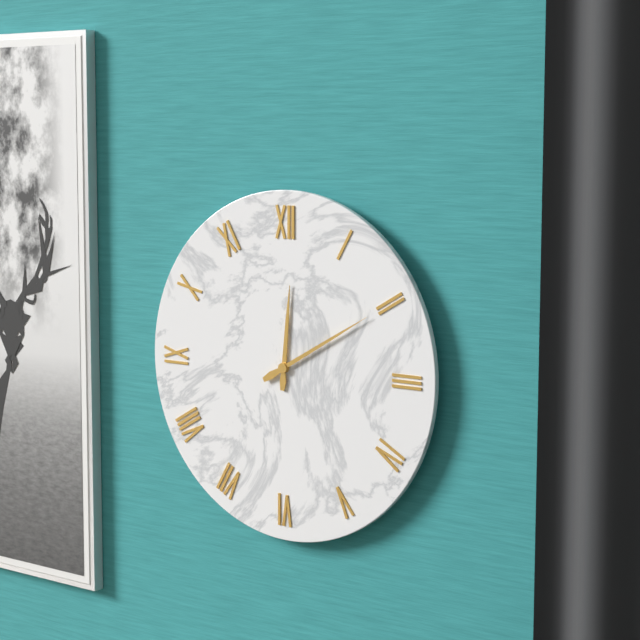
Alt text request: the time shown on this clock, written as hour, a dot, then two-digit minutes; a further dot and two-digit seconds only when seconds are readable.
12.10
